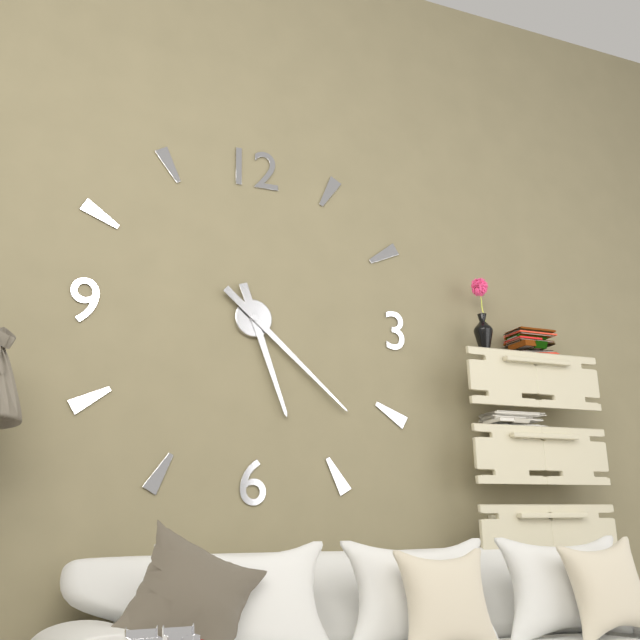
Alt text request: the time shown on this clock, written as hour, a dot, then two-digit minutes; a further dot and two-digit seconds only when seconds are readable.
5.22
